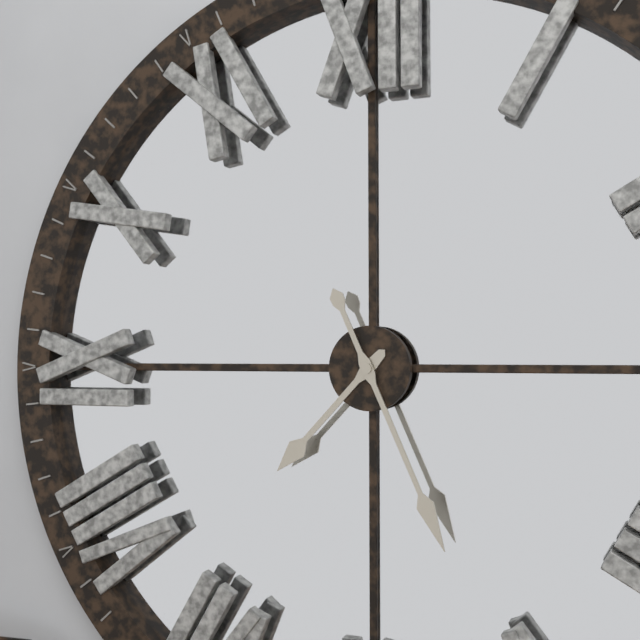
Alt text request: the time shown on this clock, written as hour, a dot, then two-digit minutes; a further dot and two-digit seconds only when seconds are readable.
7.26
